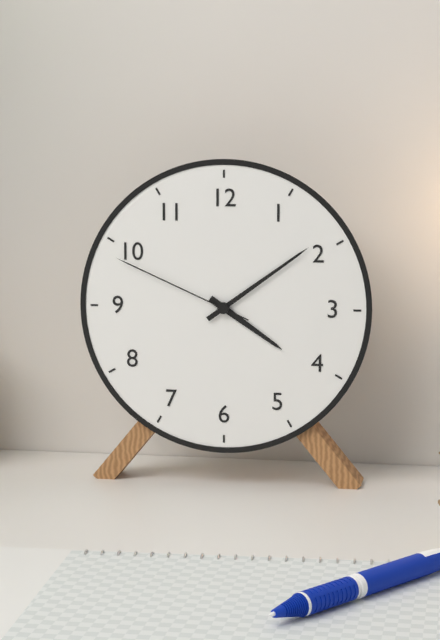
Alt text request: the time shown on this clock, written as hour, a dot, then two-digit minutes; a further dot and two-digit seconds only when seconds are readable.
4.09.49
